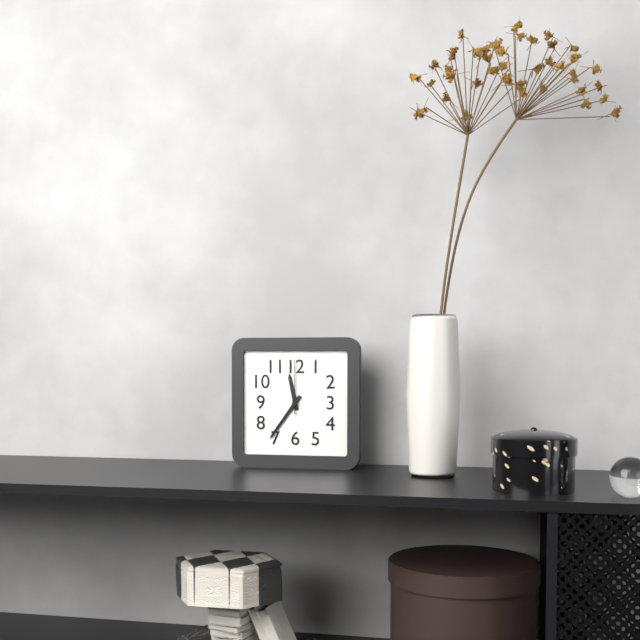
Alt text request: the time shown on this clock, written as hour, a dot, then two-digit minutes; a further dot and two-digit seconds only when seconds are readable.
11.36.00
